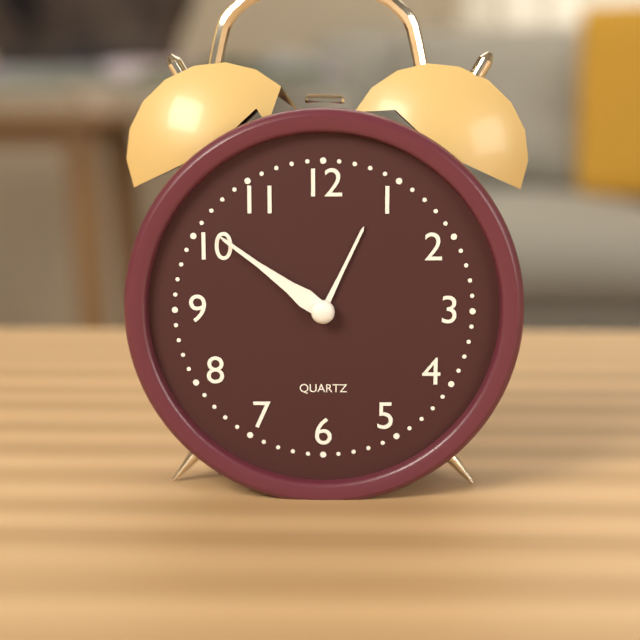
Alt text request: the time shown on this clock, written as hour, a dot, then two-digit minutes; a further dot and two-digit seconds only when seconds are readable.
12.51
